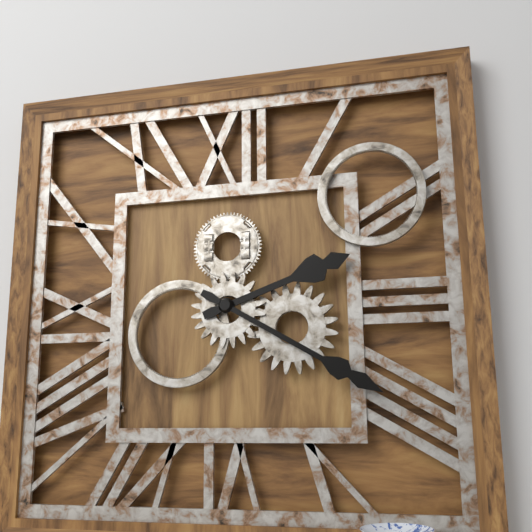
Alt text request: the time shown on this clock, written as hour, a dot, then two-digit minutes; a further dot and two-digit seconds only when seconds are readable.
2.20
